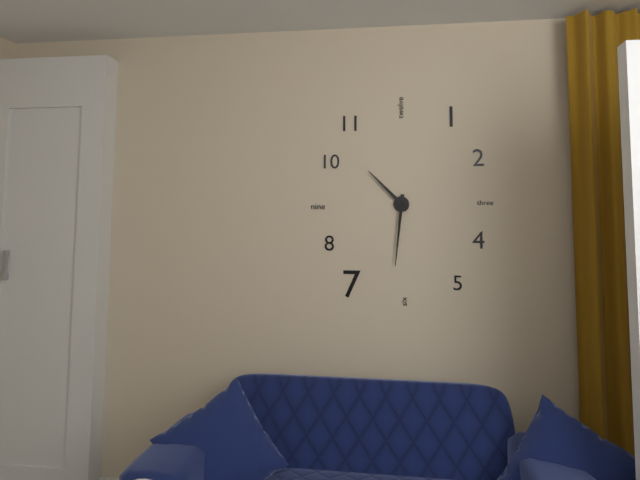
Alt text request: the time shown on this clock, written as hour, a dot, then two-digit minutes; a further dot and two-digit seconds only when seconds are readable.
10.31
